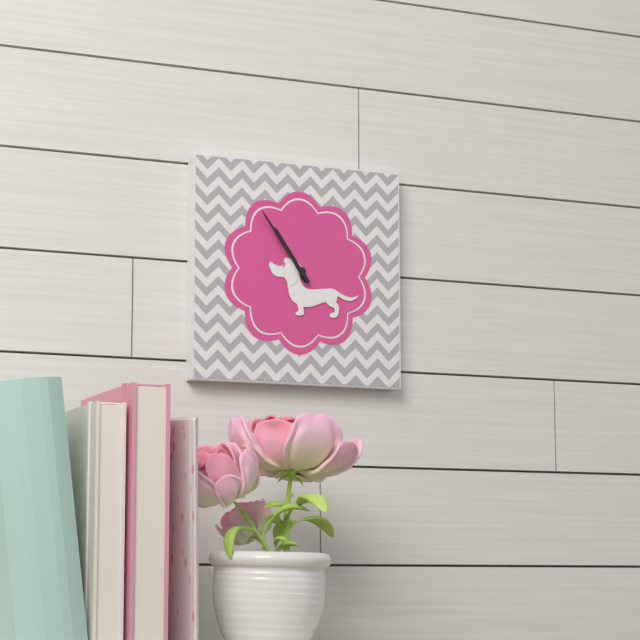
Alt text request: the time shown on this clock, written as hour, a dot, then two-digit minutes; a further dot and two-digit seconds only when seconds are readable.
10.54
